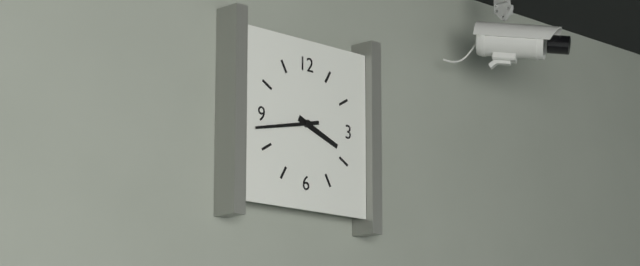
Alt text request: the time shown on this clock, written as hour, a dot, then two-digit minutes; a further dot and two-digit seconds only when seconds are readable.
3.43
